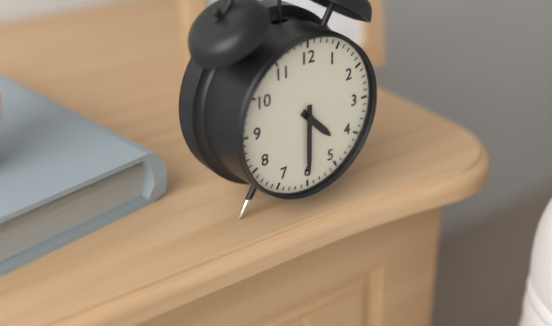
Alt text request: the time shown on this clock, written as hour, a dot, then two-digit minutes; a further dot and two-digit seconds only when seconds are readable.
4.30
